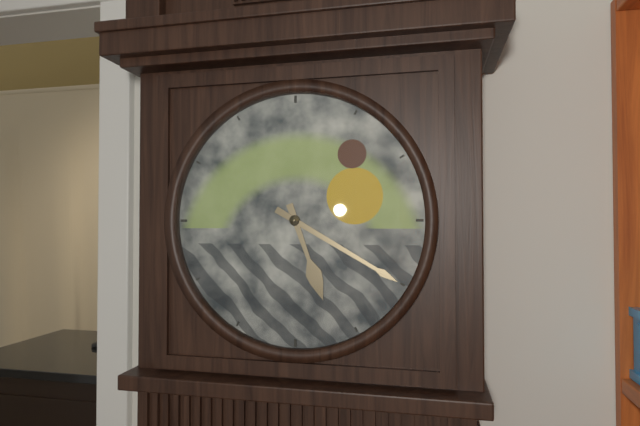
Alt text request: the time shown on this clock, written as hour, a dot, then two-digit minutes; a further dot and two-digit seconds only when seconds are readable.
5.20
